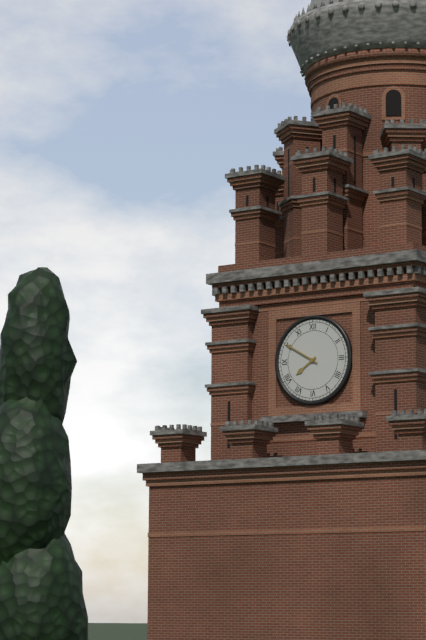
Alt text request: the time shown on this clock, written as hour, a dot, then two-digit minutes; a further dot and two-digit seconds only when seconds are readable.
7.50
